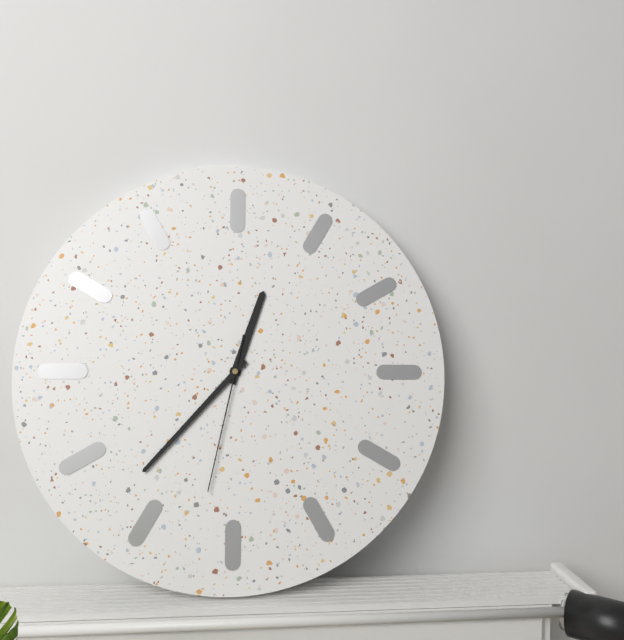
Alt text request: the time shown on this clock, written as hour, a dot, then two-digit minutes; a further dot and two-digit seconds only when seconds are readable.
12.37.32
